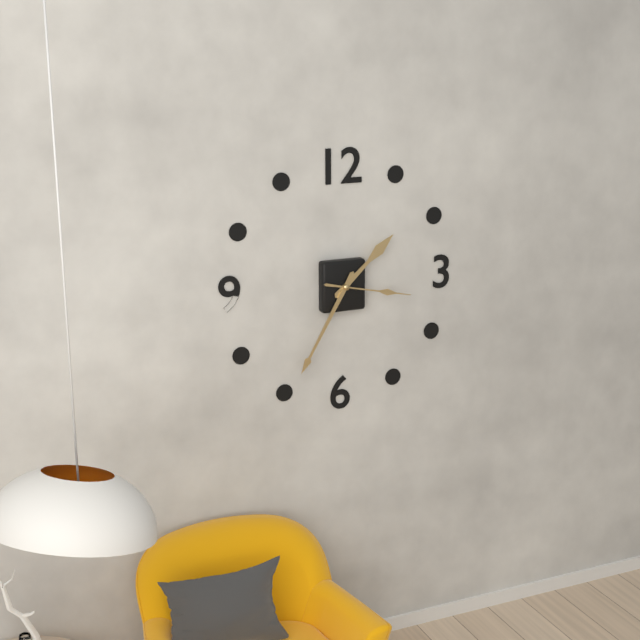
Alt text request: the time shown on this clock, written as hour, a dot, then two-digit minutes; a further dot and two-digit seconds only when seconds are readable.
1.35.17
